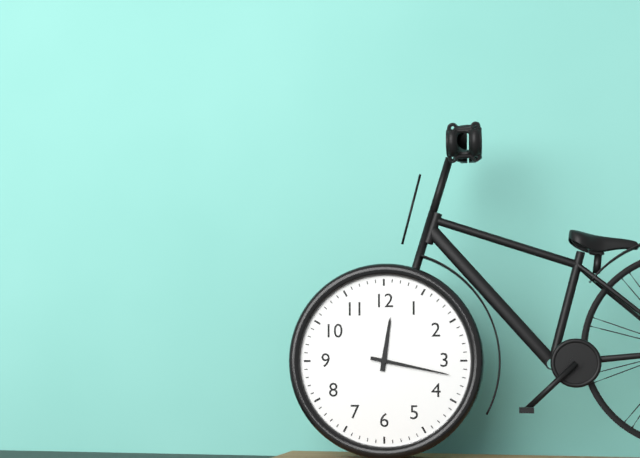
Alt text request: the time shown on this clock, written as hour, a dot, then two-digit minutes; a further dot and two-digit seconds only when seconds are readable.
12.17
